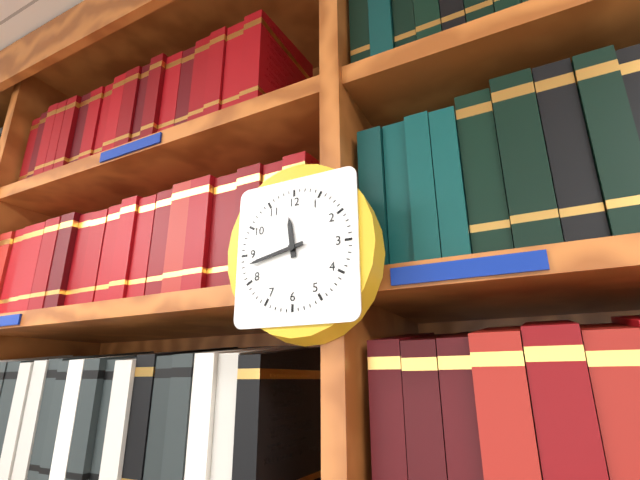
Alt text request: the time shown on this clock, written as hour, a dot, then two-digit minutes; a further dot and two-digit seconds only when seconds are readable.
11.43
